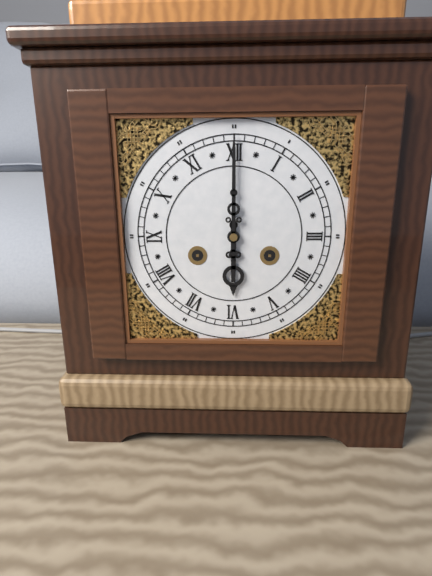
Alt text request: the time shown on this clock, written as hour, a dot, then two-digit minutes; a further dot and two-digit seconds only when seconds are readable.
6.00
